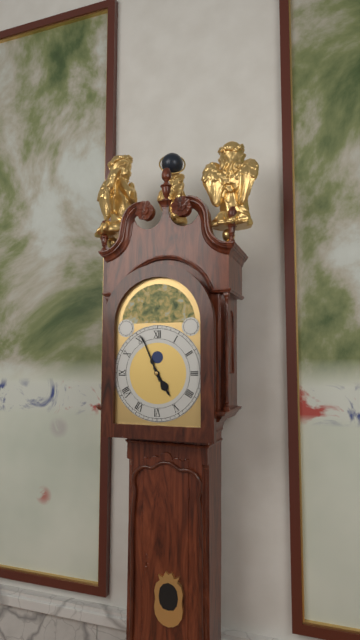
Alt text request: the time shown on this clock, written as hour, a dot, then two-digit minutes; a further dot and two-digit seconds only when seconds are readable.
4.56
